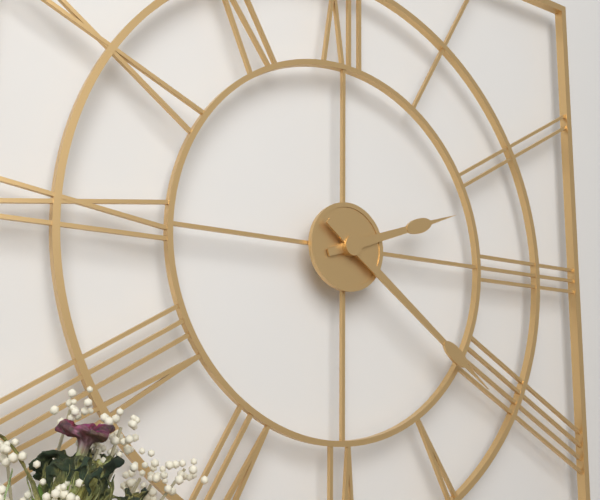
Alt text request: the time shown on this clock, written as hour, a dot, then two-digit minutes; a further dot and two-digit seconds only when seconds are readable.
2.21
